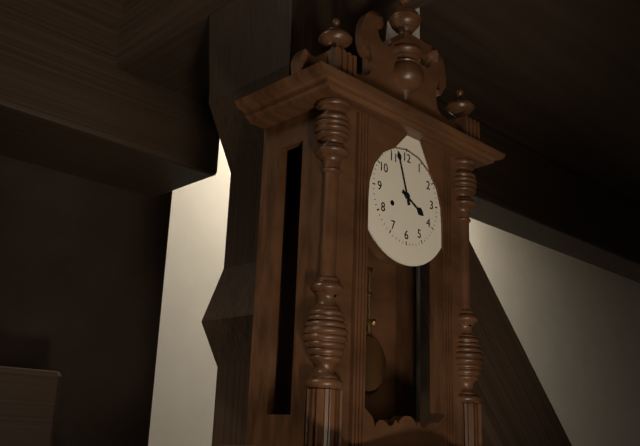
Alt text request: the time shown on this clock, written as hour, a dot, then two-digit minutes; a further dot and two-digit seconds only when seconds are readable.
3.57
